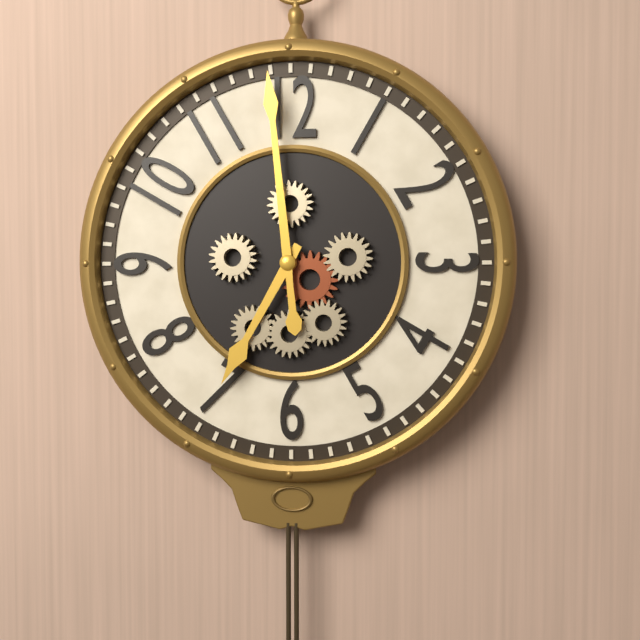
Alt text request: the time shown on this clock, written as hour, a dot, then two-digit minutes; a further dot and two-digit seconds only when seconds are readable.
6.59
